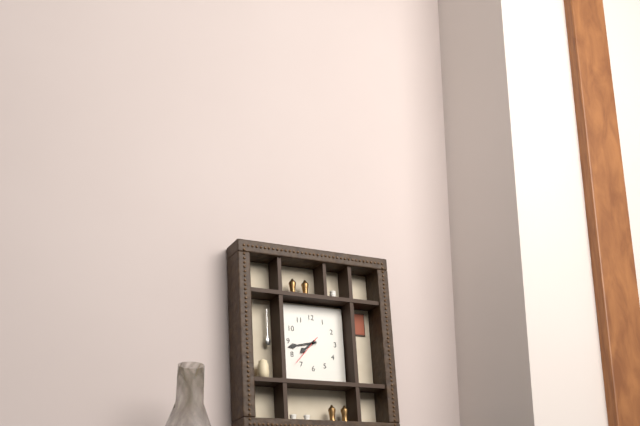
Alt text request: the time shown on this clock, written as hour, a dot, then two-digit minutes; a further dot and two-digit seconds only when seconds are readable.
7.43
